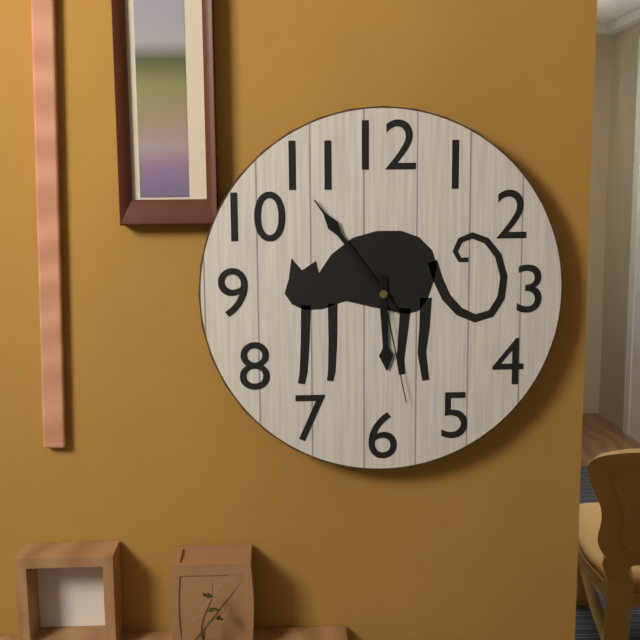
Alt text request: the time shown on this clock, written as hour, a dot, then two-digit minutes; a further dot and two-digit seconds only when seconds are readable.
5.54.28
